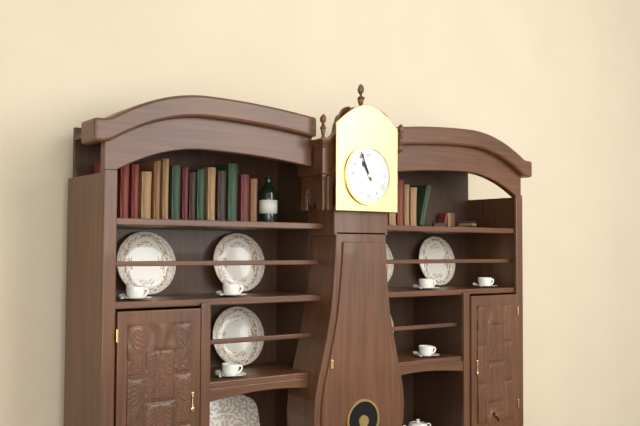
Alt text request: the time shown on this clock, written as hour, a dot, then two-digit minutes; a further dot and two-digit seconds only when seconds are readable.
10.56
